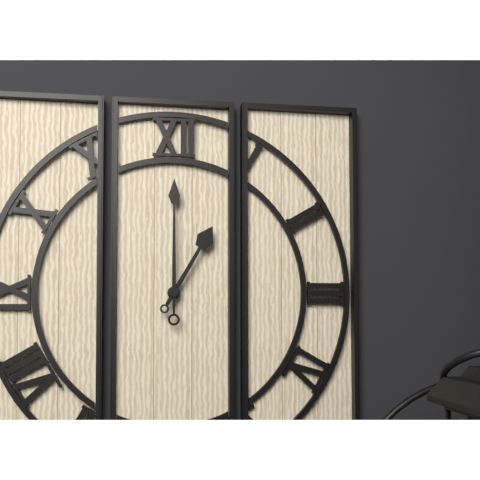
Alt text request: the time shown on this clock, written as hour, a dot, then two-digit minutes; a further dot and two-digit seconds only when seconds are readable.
1.00
